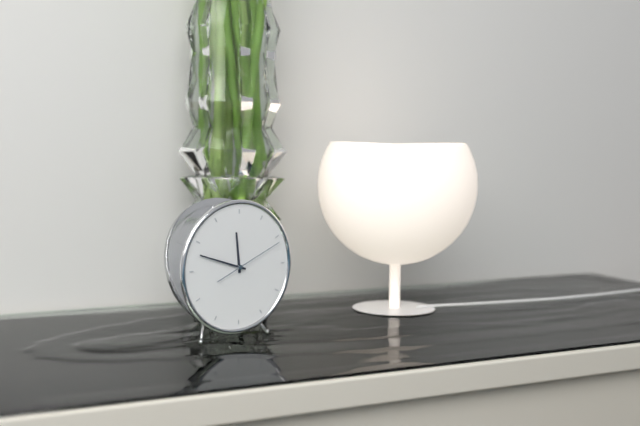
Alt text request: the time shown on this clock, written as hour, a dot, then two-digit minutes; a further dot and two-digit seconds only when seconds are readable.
11.48.11
